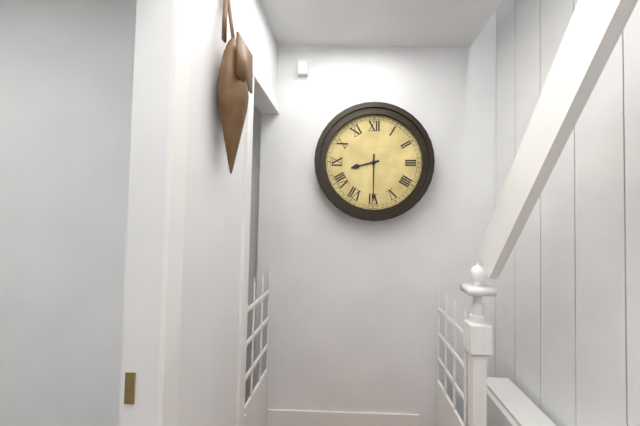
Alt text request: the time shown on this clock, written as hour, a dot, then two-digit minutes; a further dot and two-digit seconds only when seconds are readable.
8.30
